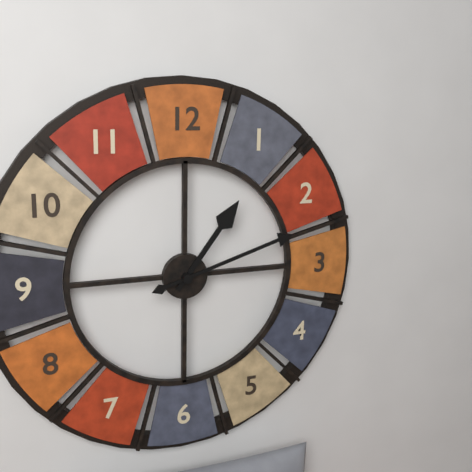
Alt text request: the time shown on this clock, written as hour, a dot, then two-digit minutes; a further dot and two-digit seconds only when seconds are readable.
1.12
